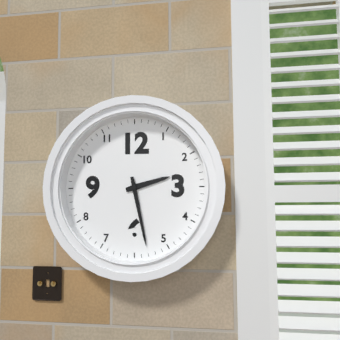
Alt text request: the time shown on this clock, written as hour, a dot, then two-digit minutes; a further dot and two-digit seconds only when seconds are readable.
2.28
